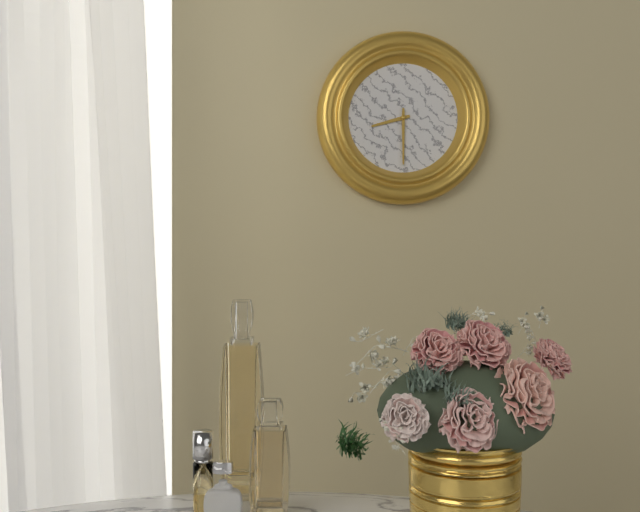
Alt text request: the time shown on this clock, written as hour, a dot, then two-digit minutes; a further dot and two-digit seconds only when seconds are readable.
8.30
